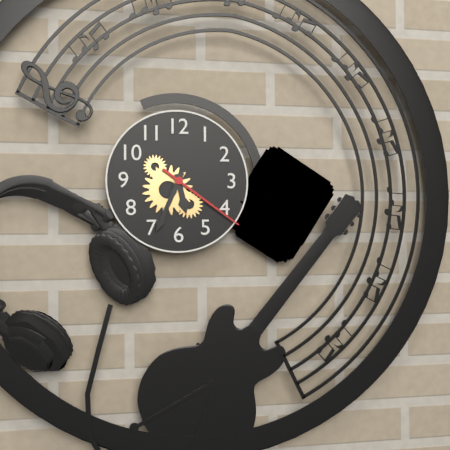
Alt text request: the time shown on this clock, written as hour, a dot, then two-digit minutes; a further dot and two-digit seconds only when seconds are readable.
5.34.21
